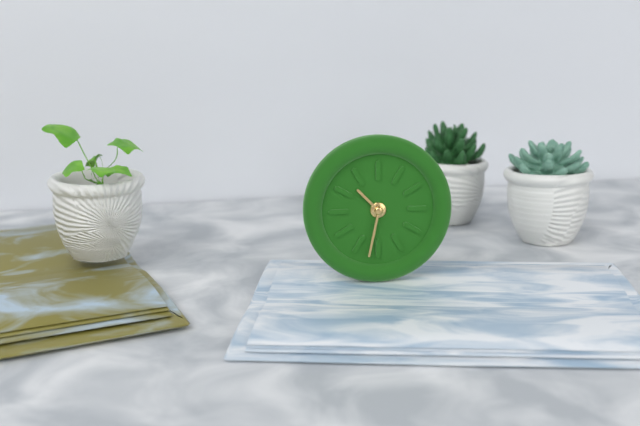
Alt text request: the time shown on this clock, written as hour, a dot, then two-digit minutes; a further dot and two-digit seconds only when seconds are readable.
10.32
